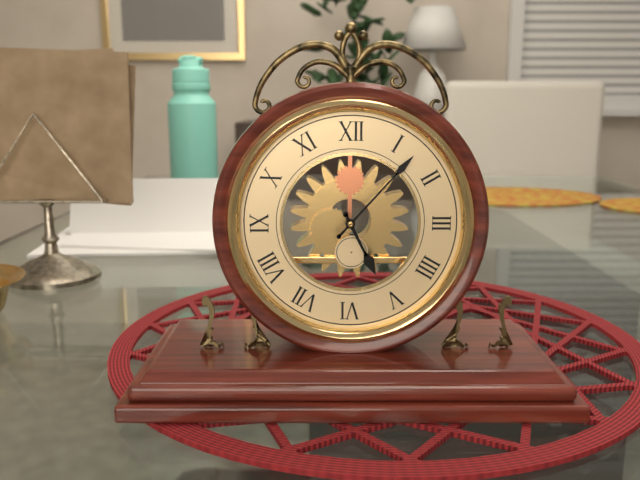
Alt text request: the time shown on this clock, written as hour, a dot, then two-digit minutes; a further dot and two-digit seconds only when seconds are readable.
5.07
